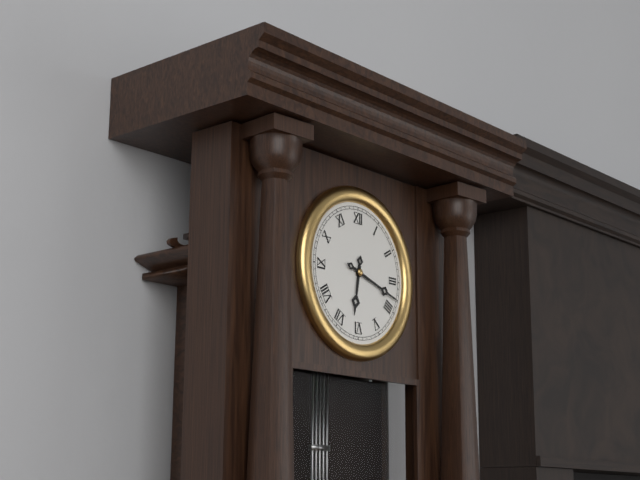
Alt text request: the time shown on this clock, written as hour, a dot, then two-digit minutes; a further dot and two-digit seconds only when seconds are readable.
6.18
